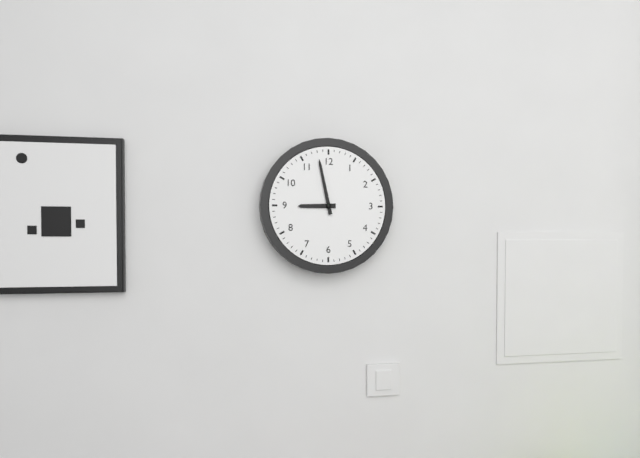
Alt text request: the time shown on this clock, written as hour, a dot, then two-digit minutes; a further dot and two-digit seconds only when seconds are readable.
8.58
